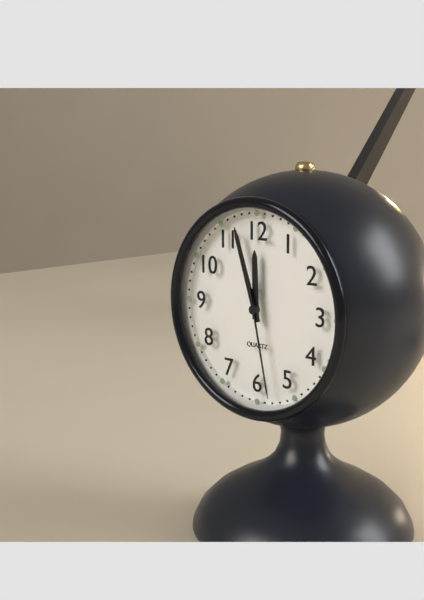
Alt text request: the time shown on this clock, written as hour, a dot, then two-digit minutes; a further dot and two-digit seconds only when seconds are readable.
11.57.28
